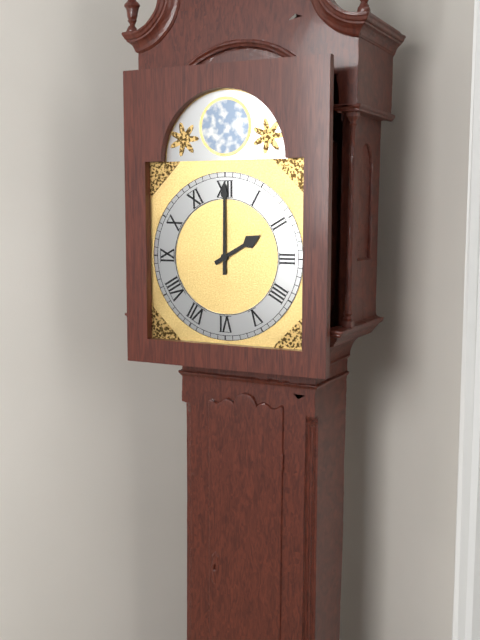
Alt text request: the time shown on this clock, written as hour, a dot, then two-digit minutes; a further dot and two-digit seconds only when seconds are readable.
2.00
